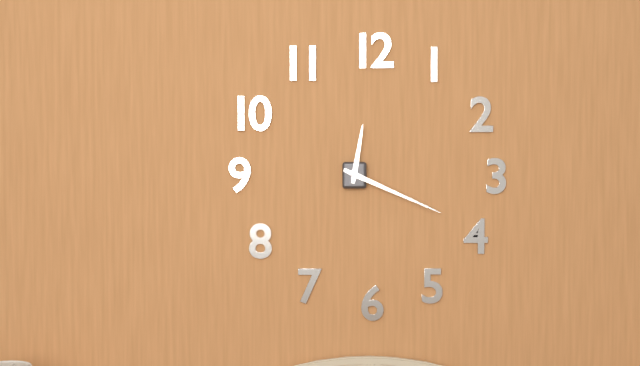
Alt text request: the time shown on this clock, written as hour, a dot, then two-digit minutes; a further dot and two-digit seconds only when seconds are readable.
12.19
